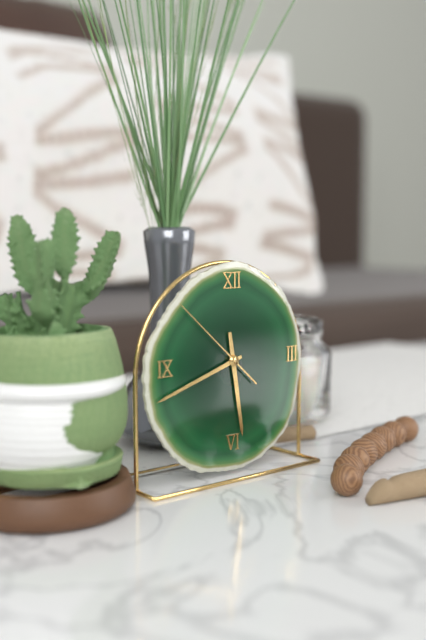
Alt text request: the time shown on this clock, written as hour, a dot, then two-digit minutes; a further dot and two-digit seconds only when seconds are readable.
5.42.52
